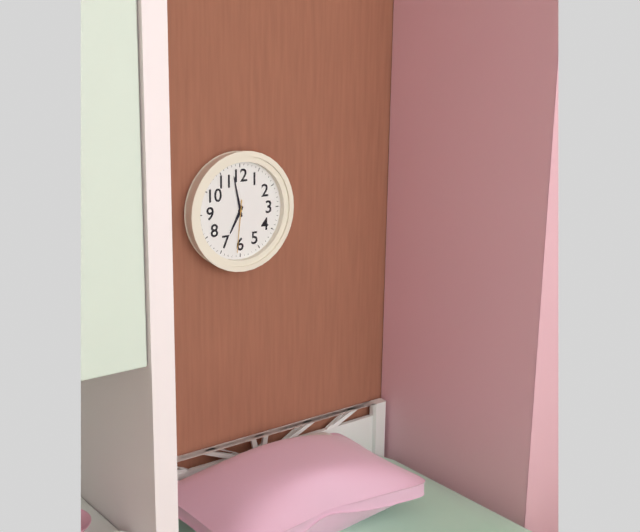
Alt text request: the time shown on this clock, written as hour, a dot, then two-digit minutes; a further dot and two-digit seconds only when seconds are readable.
6.58.31
